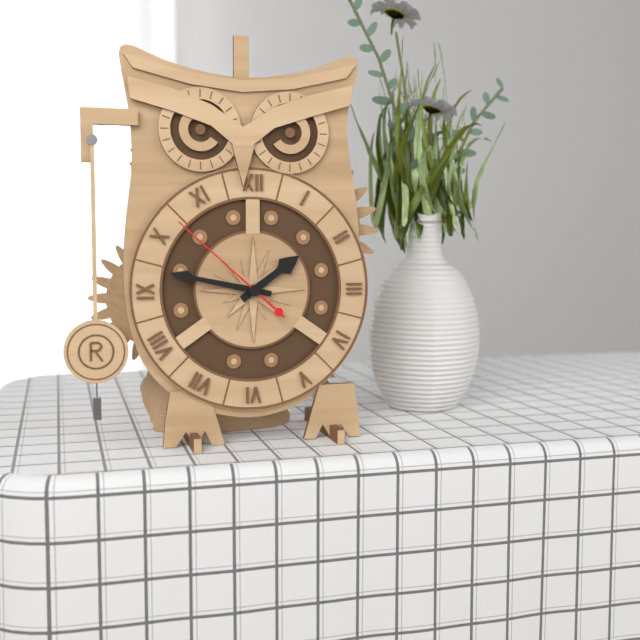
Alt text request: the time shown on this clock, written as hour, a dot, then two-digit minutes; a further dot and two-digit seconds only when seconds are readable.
1.47.52
